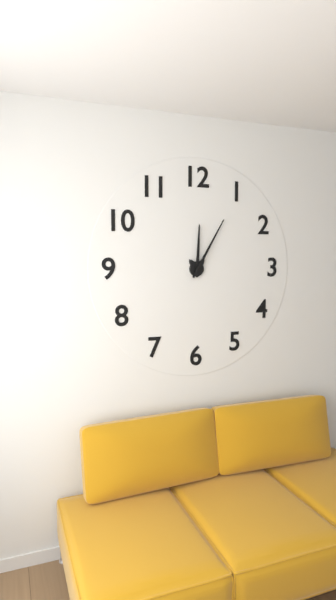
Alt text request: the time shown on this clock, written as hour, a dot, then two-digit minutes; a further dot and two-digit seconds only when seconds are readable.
12.05
